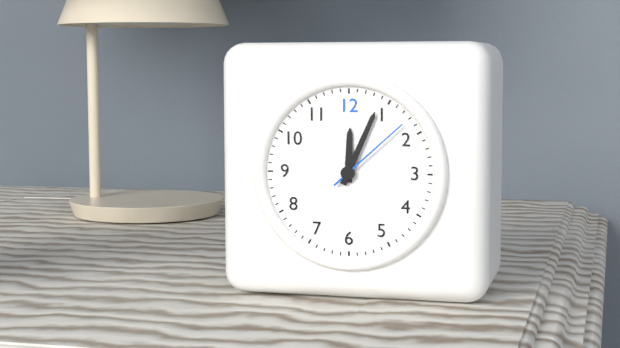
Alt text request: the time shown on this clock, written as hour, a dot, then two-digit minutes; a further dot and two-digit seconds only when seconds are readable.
12.04.08
